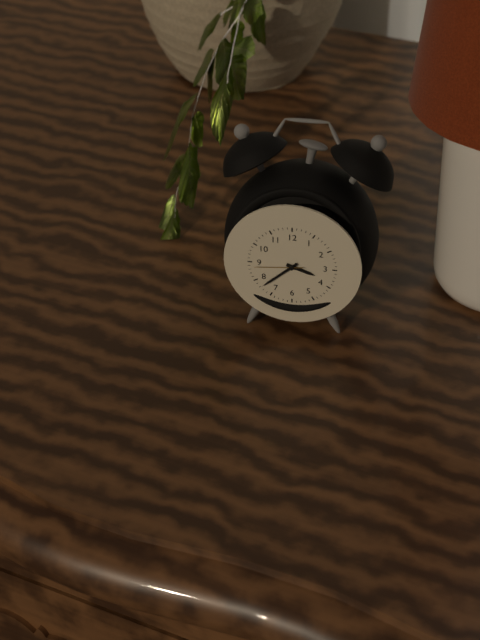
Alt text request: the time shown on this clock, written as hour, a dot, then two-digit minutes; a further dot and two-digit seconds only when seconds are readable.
3.38
